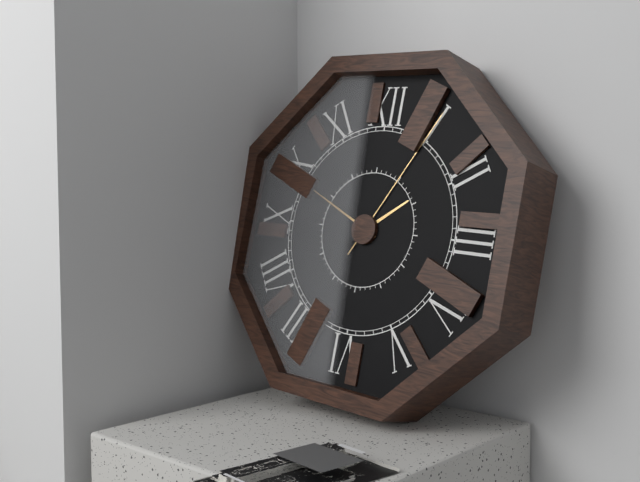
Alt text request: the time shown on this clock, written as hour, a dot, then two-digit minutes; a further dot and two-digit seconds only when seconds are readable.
1.49.05
